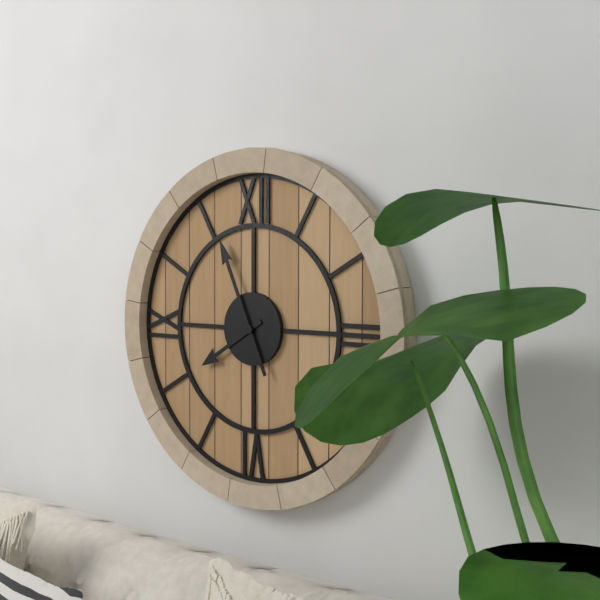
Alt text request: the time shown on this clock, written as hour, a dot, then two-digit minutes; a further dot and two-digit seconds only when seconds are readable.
7.56
